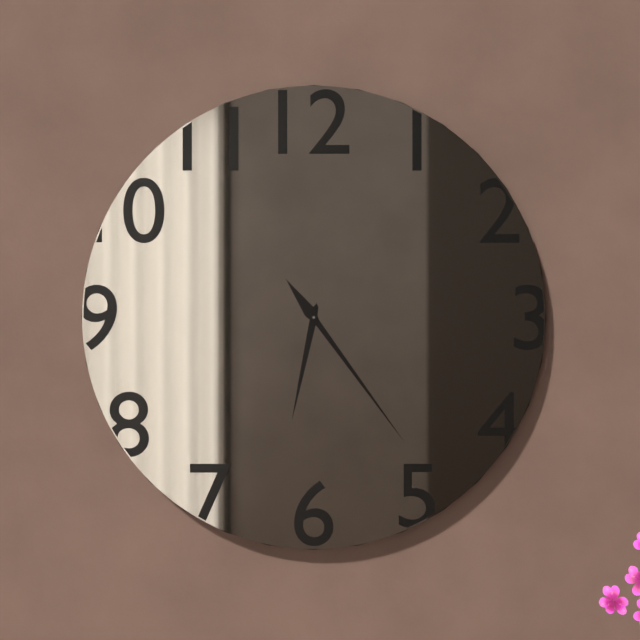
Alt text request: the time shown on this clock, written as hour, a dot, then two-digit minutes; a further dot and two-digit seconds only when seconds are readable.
6.24
